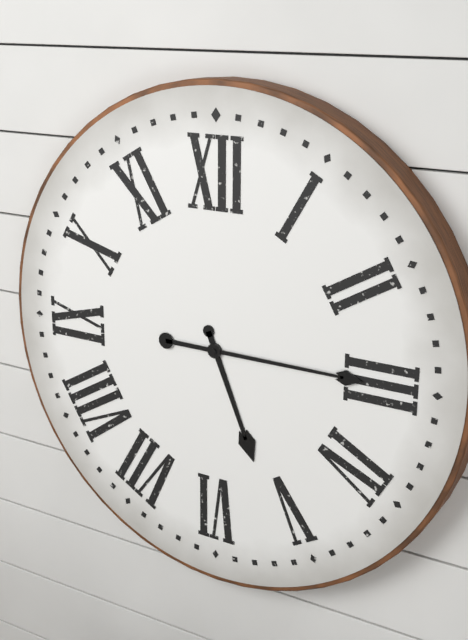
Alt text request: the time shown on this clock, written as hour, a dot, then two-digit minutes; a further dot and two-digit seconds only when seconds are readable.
5.15
